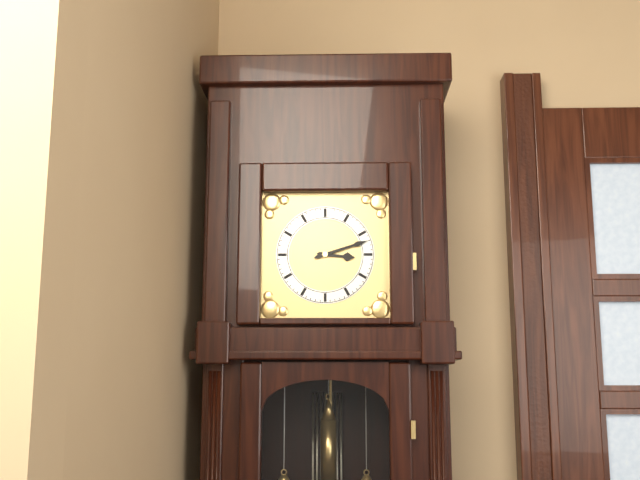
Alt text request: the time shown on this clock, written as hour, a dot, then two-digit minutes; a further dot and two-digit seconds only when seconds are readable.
3.12
